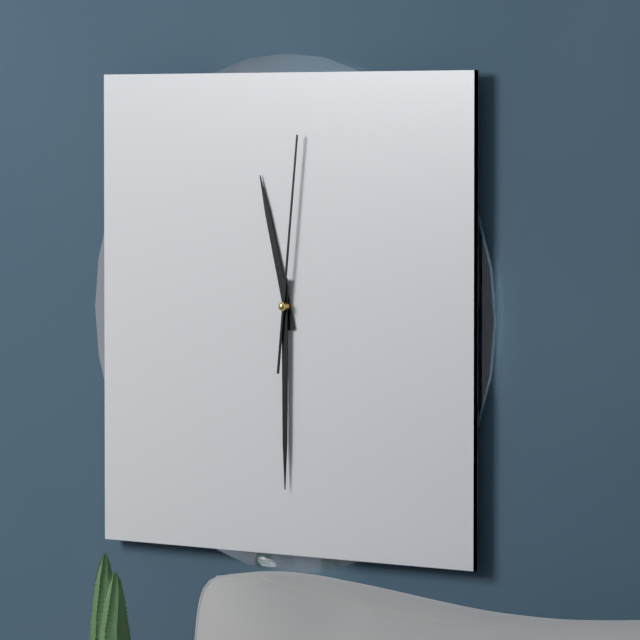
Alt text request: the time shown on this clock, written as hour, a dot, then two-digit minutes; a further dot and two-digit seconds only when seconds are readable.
11.30.01
